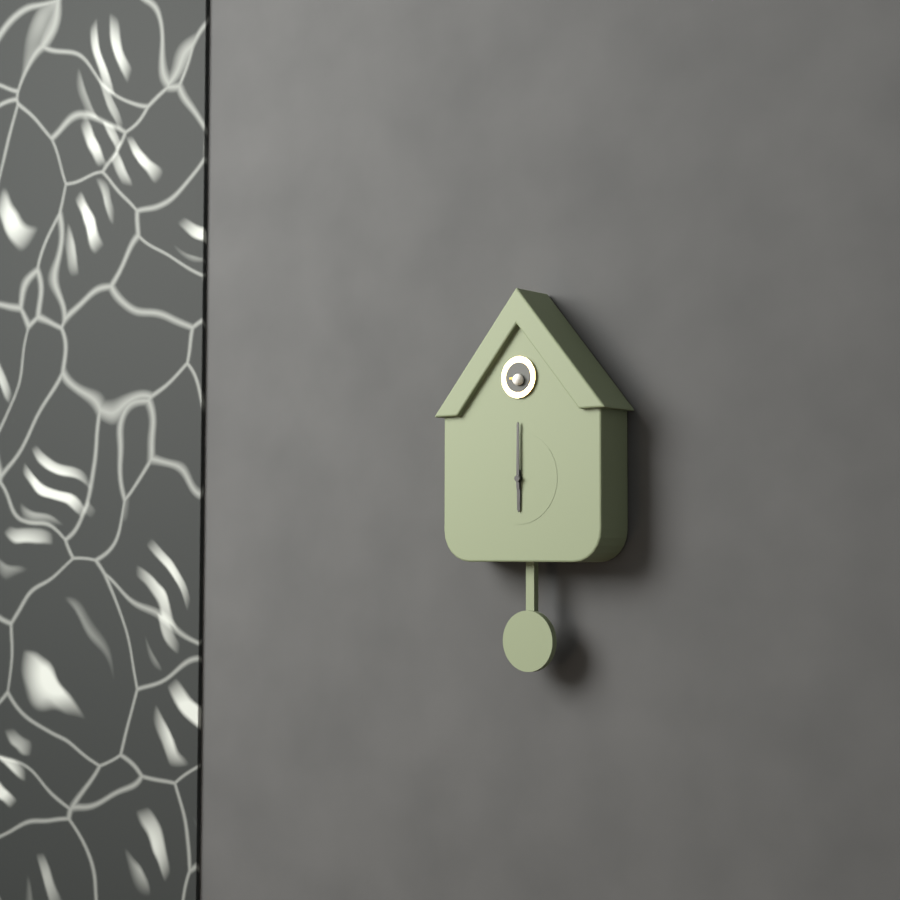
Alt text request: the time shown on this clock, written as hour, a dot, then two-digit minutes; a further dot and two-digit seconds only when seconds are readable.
6.00
